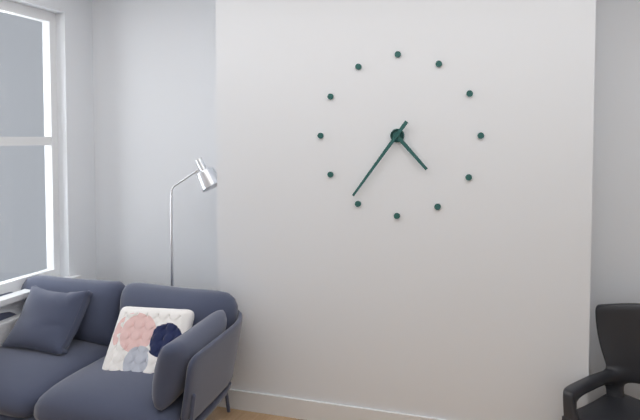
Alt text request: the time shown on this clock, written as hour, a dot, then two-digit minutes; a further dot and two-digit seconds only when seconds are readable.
4.36
